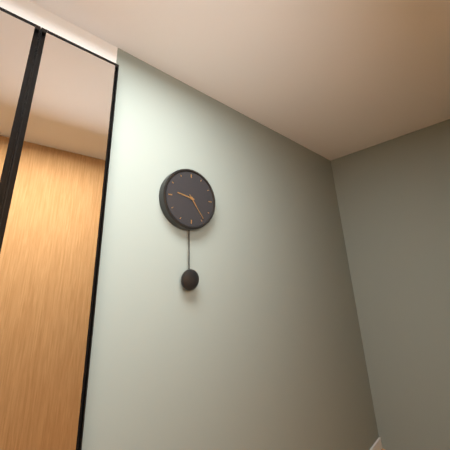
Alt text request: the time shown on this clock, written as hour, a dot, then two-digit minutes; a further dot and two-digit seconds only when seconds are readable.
9.24
